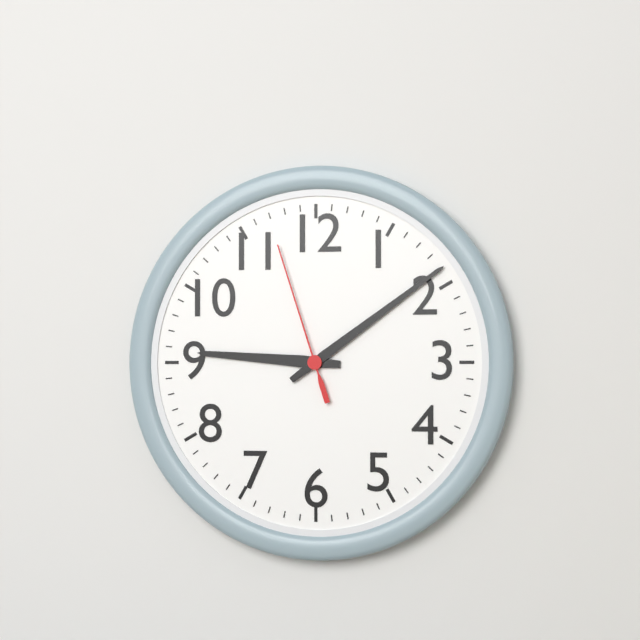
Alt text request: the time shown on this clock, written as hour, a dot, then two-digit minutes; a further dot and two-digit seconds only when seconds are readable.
9.09.57
